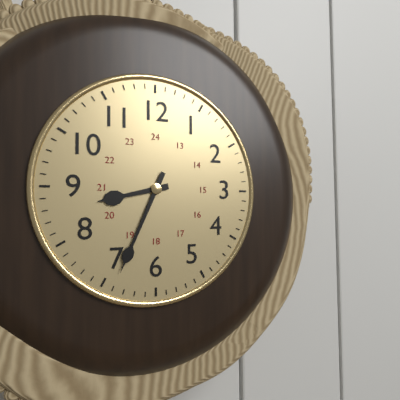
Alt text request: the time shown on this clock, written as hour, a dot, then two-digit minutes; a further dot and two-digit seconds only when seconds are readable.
8.34
